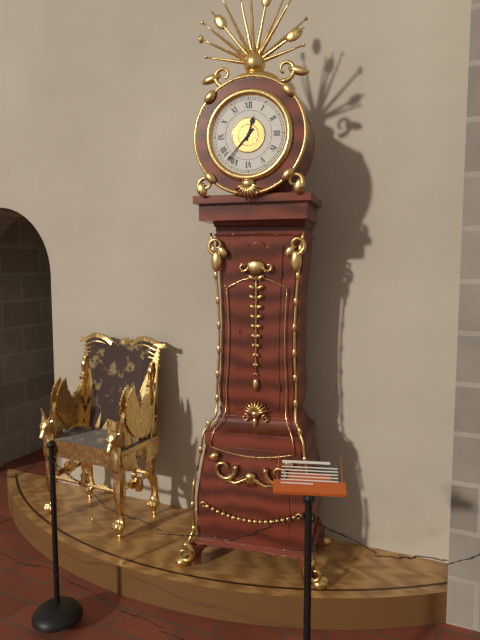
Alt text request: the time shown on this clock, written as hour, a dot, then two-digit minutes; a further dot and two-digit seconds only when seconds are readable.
12.37
